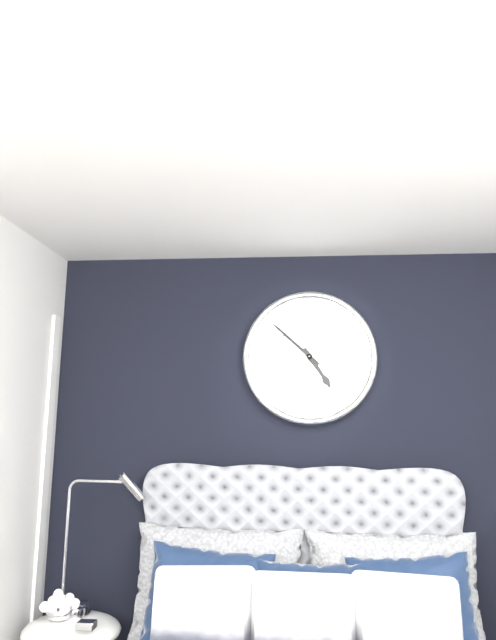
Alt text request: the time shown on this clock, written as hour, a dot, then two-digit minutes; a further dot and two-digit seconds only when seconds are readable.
4.52
